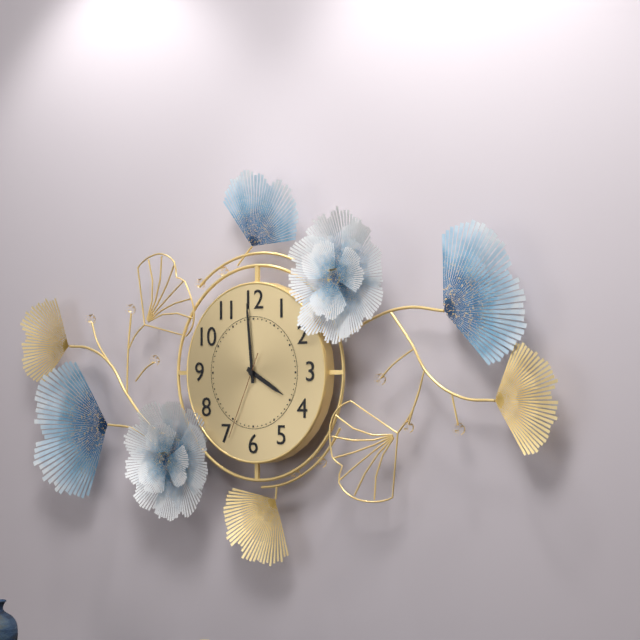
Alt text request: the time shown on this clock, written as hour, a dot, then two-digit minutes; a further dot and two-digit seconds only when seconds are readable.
3.59.34
